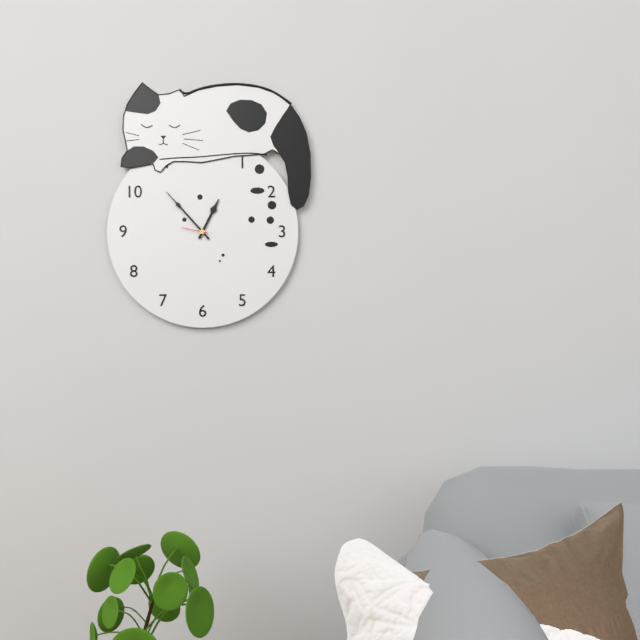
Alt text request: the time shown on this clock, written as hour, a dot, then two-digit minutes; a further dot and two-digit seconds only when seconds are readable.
12.53
